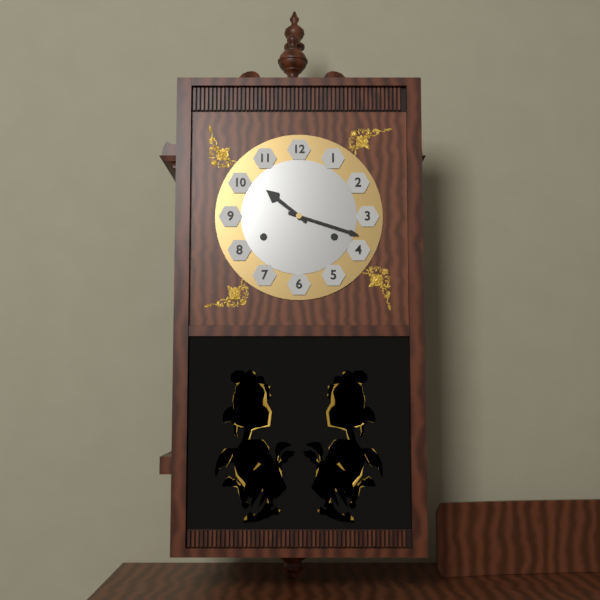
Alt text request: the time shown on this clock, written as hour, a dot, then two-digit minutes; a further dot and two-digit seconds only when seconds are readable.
10.18
